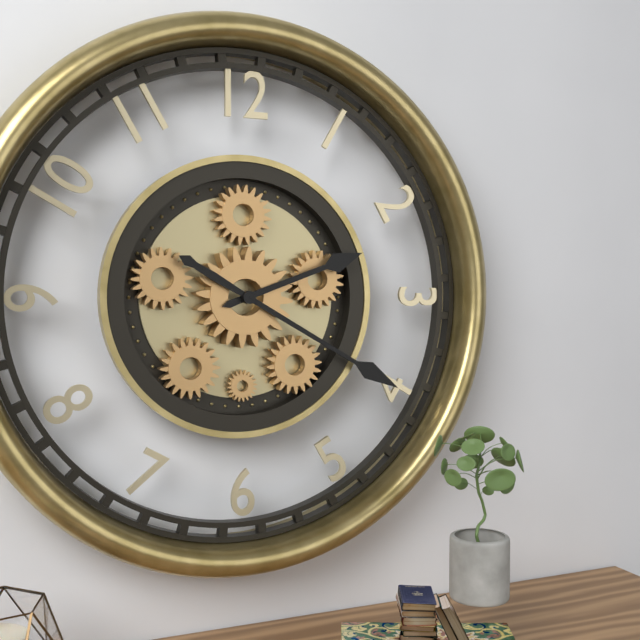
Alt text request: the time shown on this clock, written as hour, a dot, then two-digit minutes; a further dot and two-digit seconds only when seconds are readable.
2.20
